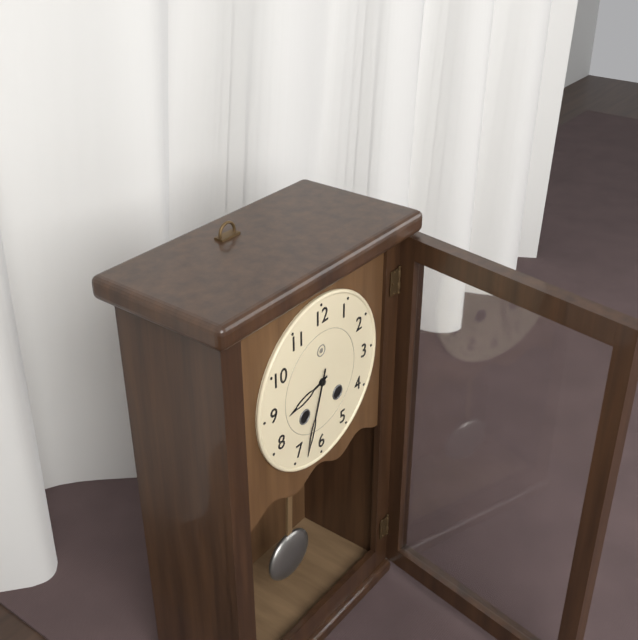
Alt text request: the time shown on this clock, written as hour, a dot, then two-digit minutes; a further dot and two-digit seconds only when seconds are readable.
8.33
